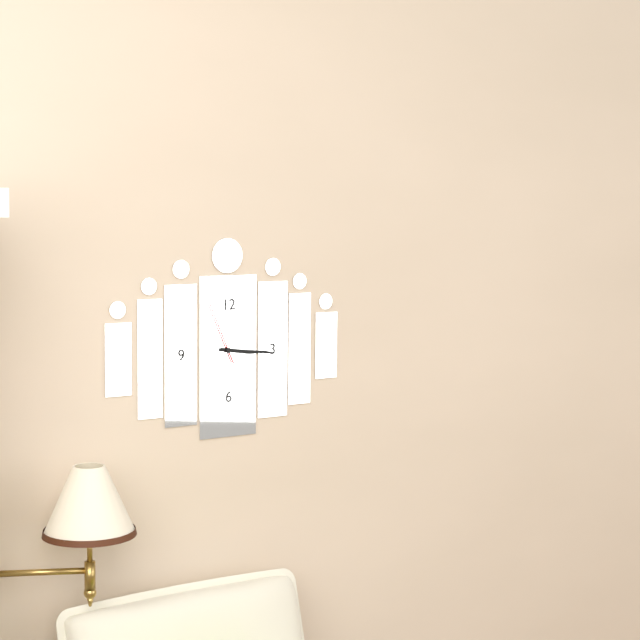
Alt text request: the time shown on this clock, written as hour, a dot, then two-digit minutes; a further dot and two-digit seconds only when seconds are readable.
3.16.56
